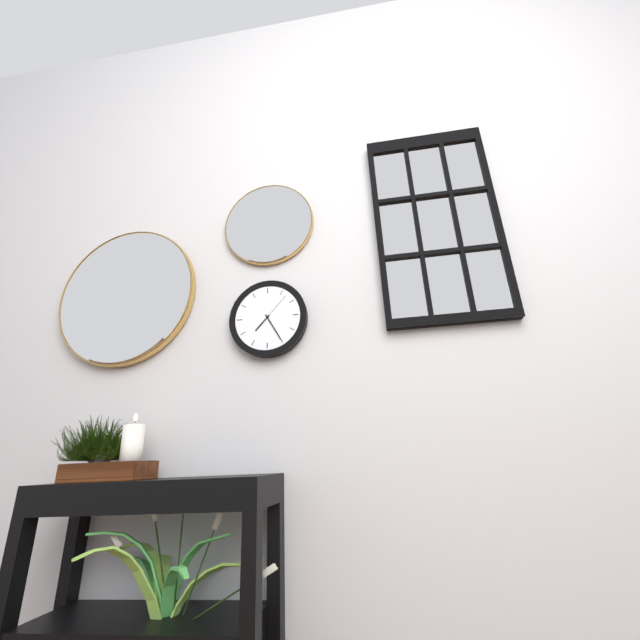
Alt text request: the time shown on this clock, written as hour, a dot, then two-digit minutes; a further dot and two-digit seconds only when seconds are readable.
7.25
